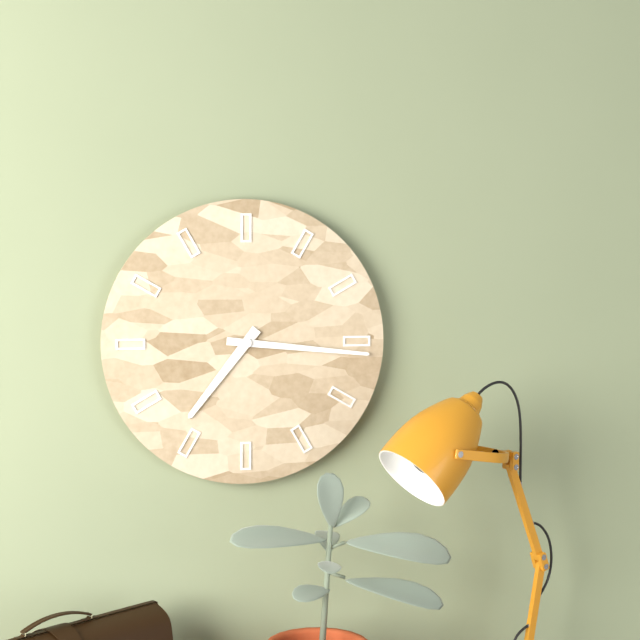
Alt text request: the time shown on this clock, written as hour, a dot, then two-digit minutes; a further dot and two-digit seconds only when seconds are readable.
7.16
